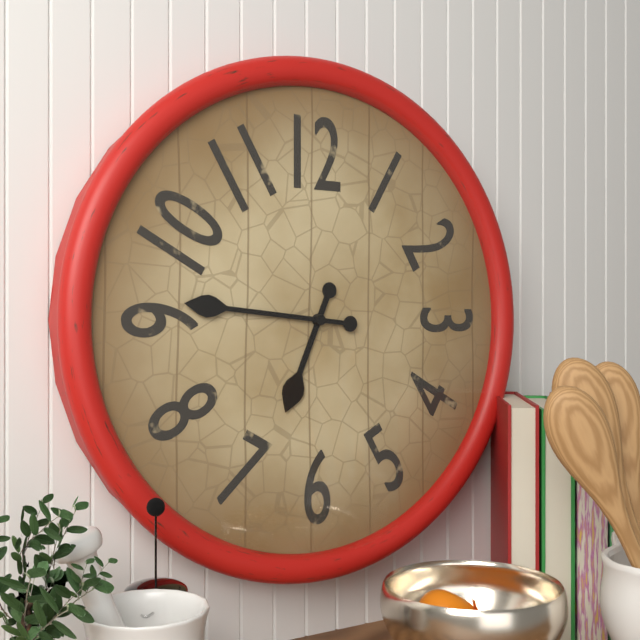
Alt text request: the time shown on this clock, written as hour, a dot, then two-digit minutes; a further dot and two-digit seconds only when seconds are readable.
6.46
